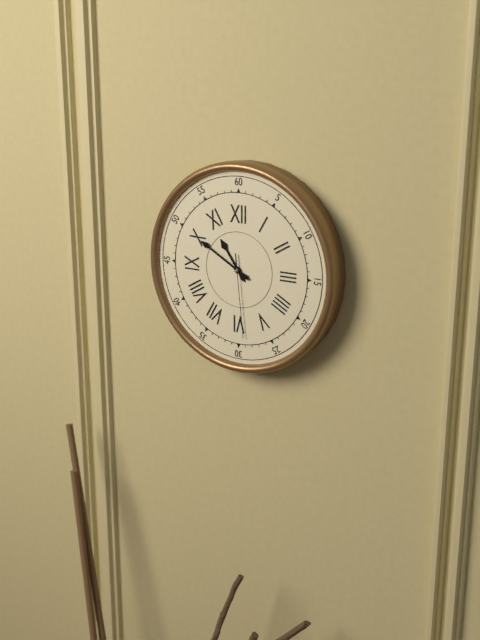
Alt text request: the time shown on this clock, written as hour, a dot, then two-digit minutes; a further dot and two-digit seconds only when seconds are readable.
10.50.29
